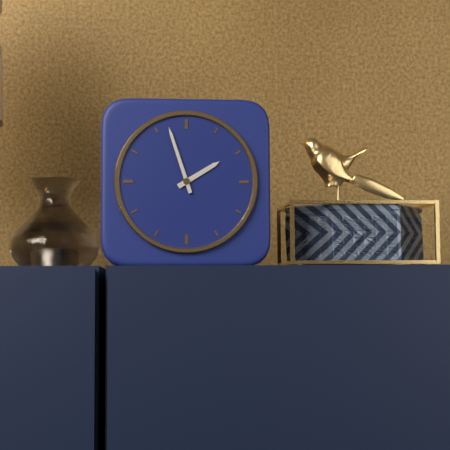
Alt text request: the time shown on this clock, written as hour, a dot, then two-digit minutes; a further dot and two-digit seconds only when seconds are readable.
1.57
